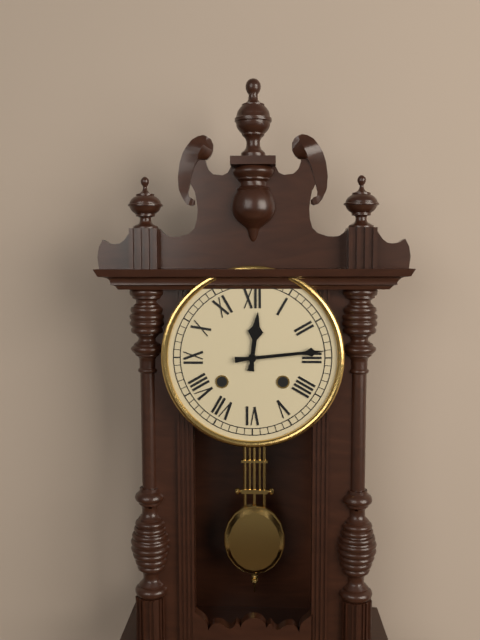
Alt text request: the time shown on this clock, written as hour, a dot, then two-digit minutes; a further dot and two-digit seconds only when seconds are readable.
12.14
